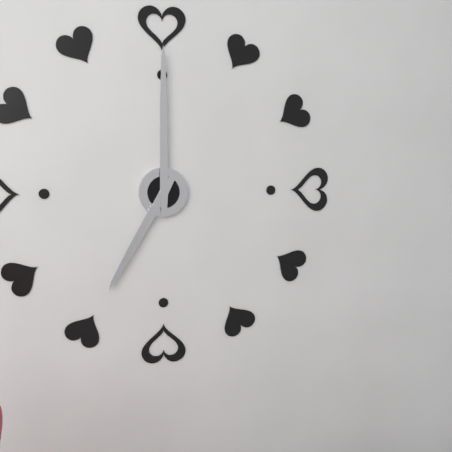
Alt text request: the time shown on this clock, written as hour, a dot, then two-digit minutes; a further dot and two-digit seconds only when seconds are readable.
7.00
